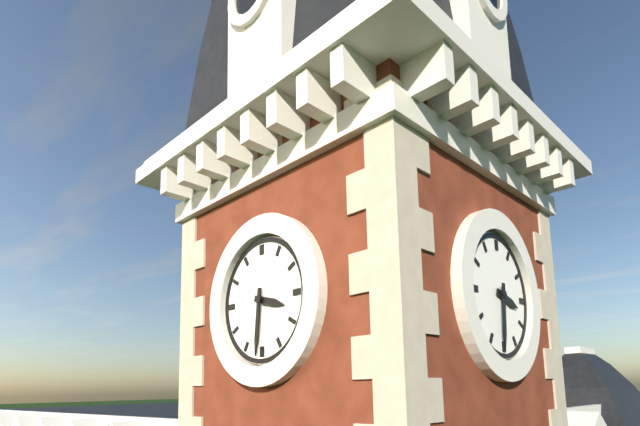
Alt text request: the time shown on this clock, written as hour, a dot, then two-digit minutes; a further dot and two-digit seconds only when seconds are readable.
3.31
